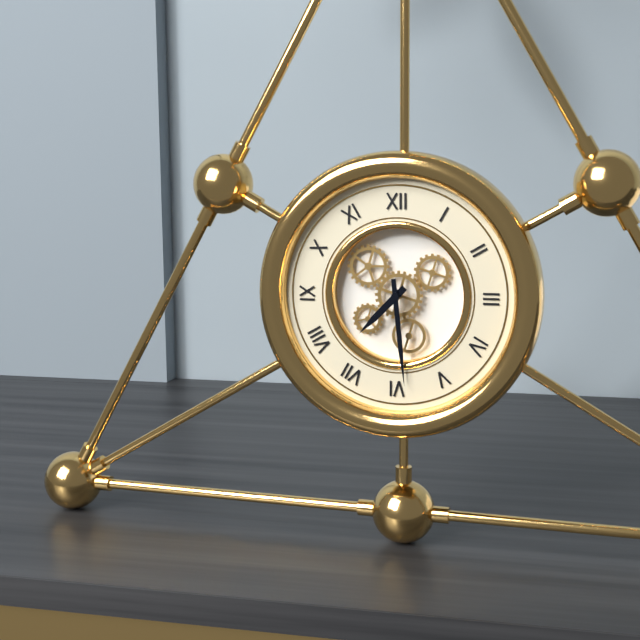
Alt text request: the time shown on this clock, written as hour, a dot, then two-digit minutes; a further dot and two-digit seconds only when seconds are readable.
7.29
